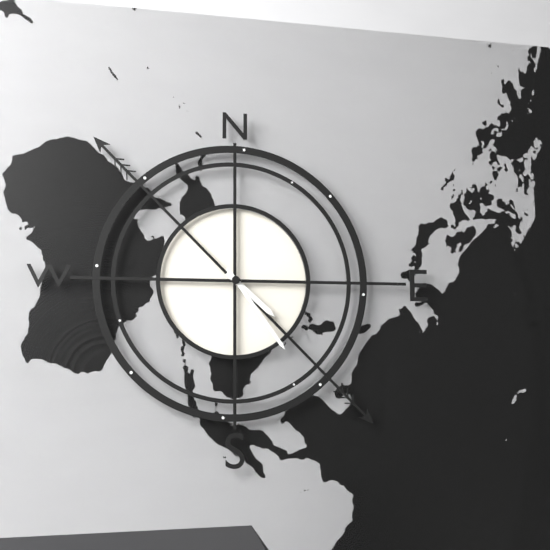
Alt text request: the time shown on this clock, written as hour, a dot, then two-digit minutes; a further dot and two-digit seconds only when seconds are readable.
4.24
